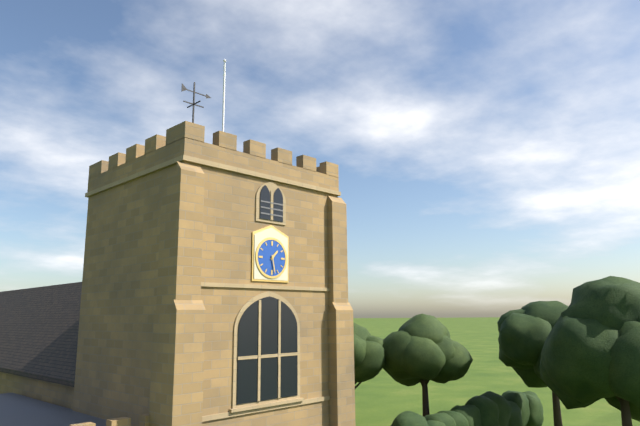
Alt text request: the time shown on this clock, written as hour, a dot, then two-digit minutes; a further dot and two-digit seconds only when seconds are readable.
1.28
